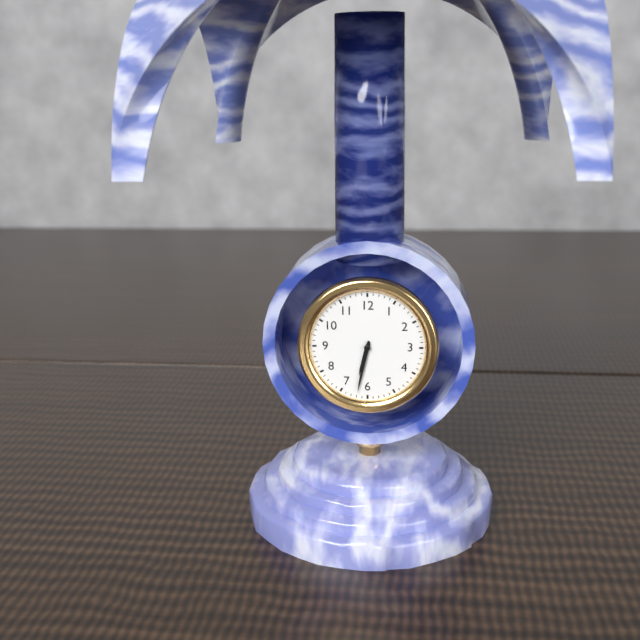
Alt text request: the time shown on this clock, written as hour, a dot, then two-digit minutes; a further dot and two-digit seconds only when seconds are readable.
6.32
